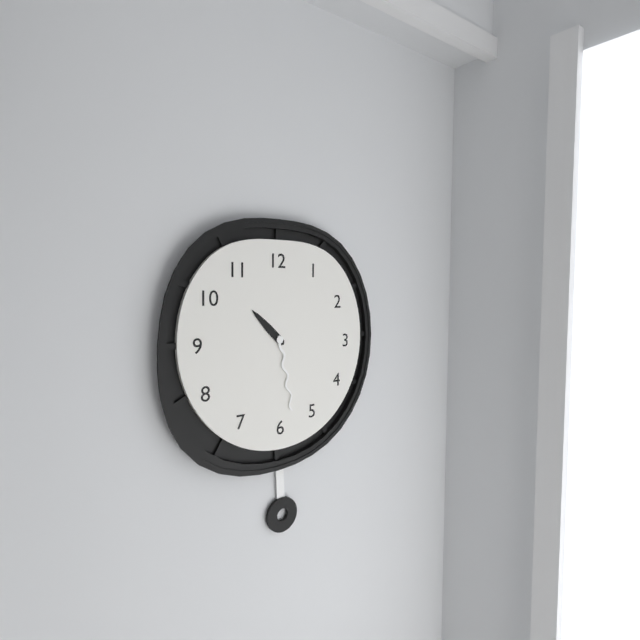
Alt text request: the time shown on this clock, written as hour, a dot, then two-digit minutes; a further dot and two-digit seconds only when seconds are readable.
10.28
